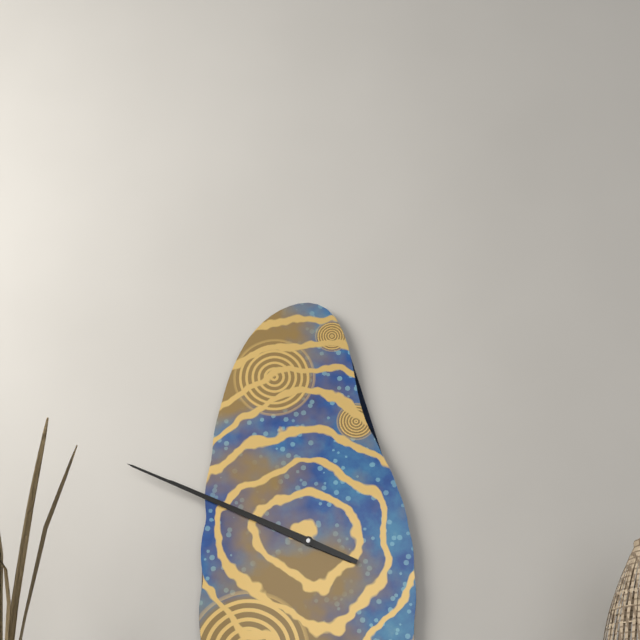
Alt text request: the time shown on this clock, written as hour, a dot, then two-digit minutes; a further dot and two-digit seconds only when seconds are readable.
9.49
